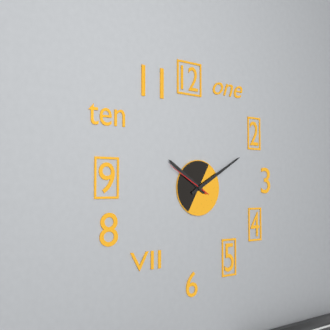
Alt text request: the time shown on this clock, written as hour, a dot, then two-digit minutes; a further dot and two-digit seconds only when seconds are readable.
10.10
